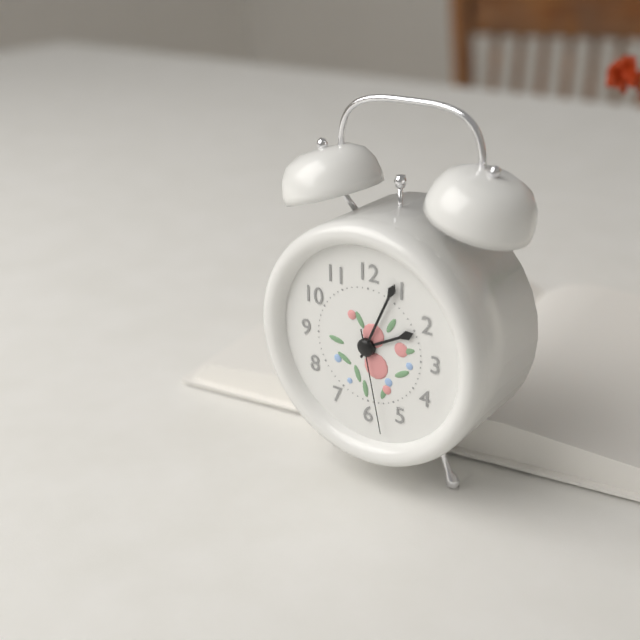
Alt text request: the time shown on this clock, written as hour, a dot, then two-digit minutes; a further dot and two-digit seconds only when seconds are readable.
2.04.28
